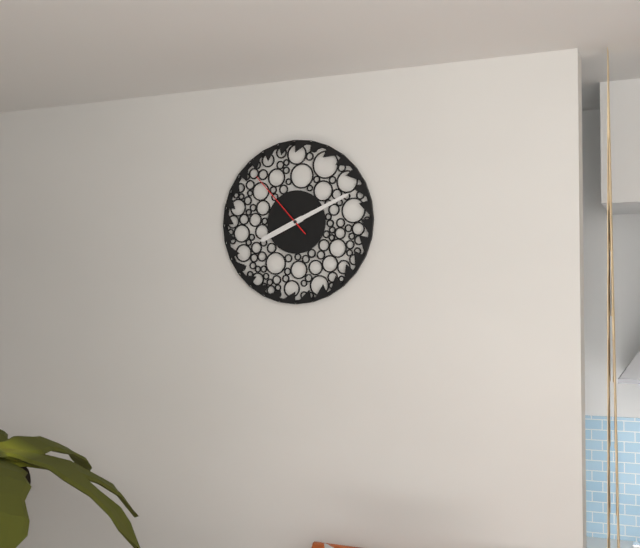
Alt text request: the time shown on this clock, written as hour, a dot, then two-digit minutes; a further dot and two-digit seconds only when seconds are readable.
8.11.53
